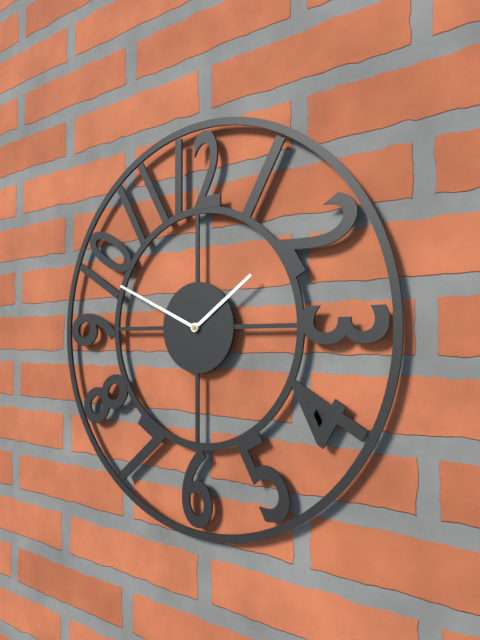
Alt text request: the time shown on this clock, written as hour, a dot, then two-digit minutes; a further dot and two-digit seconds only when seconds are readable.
1.49
